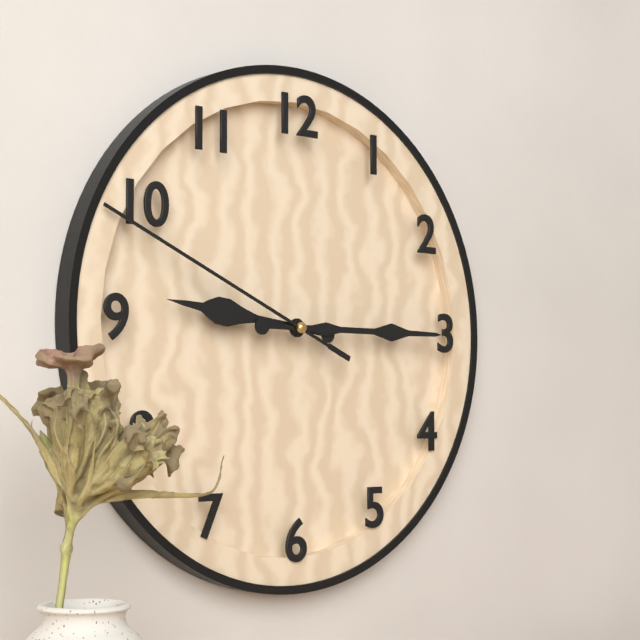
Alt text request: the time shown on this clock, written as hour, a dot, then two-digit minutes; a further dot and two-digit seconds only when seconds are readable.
9.15.49
